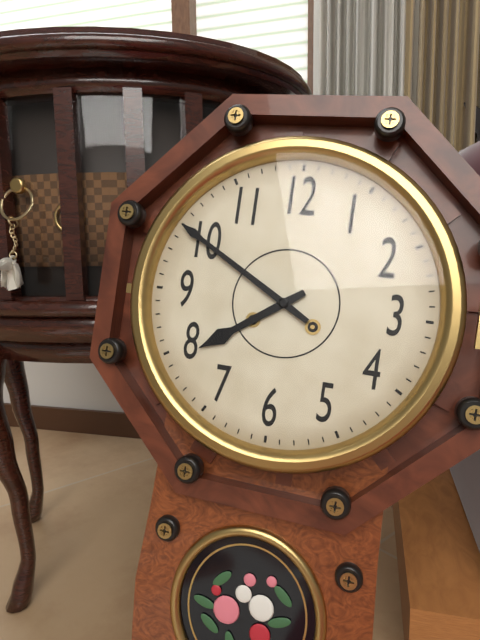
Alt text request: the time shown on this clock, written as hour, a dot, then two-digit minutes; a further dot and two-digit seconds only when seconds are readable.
7.50
